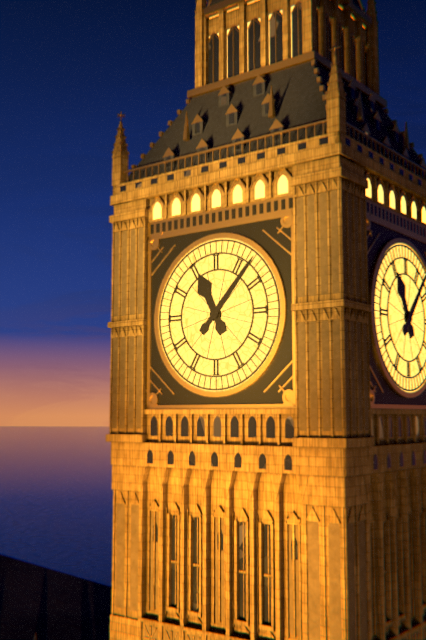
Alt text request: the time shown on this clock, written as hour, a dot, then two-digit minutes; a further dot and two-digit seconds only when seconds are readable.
11.07
